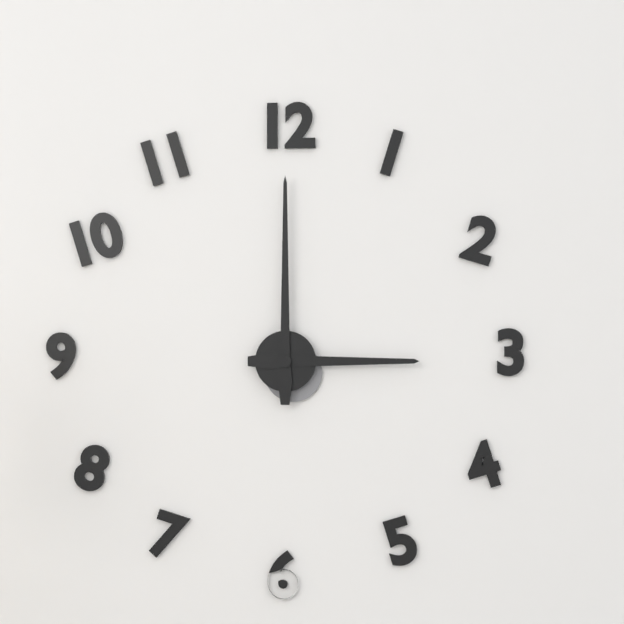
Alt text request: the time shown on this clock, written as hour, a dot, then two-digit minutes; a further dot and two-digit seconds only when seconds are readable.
3.00
